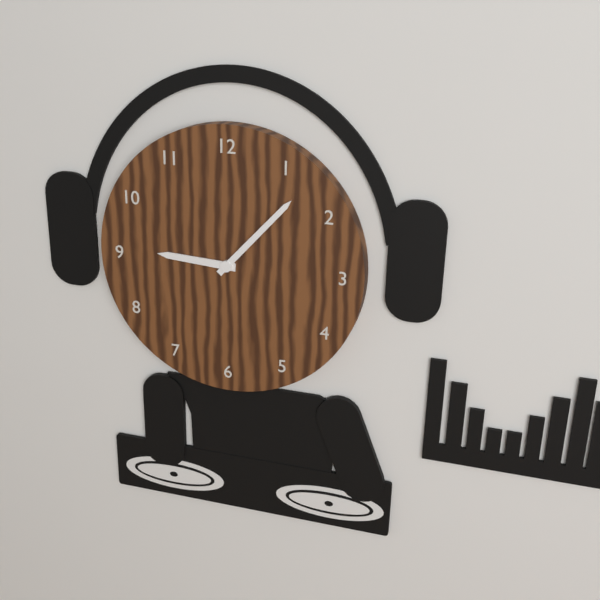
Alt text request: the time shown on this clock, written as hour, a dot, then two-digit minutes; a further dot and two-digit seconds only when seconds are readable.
9.07
